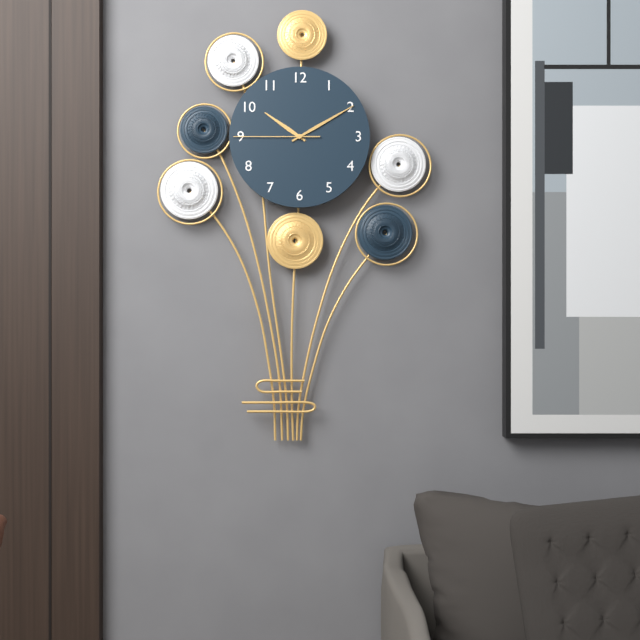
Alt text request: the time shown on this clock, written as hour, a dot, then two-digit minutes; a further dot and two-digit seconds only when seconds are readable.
10.10.45
